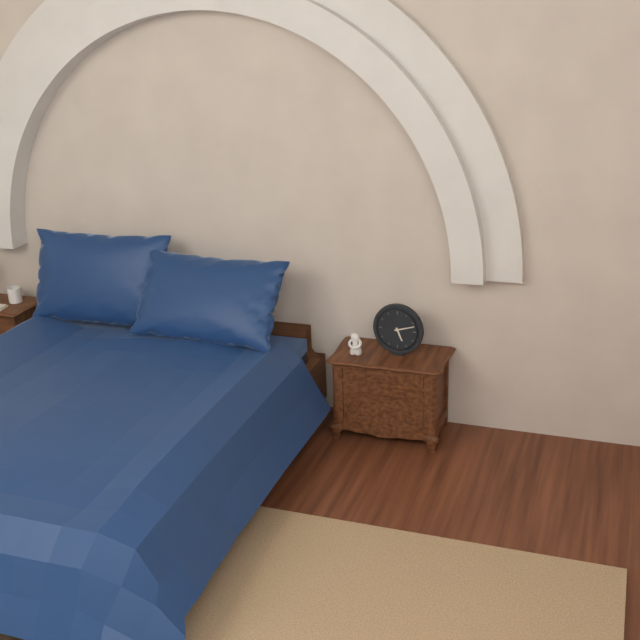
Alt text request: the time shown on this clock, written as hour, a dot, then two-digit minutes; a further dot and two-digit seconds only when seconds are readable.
5.12
